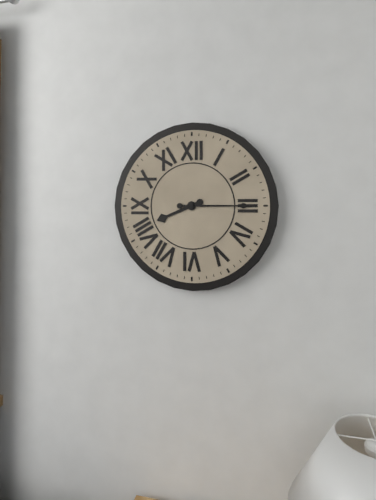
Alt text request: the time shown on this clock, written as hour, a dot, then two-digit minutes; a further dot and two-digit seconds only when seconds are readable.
8.15
